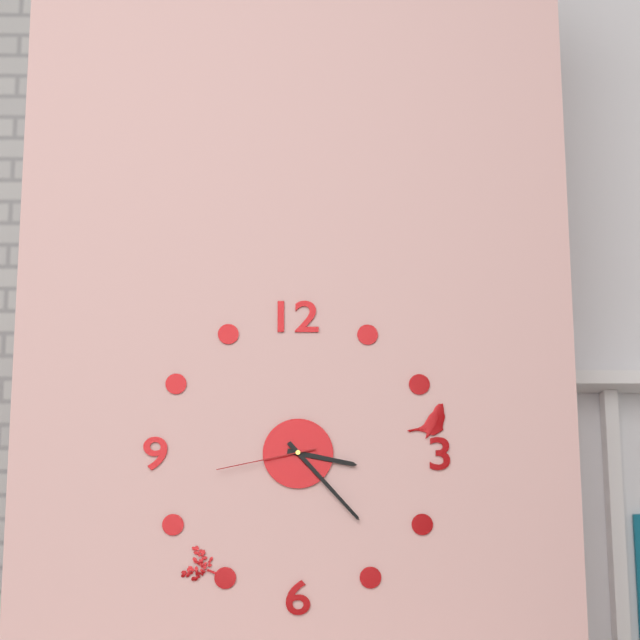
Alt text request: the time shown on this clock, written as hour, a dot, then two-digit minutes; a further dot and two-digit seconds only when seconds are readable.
3.23.43
